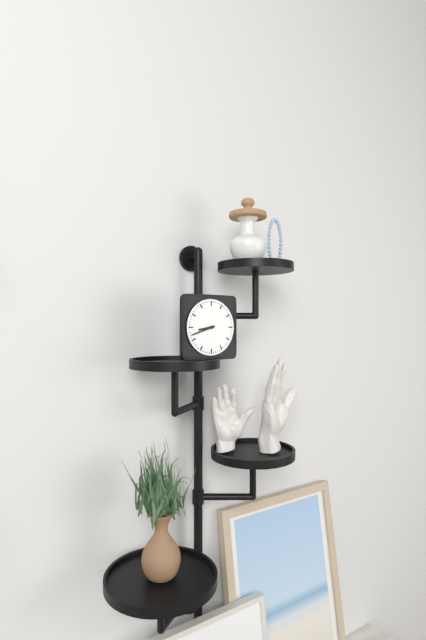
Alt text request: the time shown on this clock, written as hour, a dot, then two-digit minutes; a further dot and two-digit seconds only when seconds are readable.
8.42
